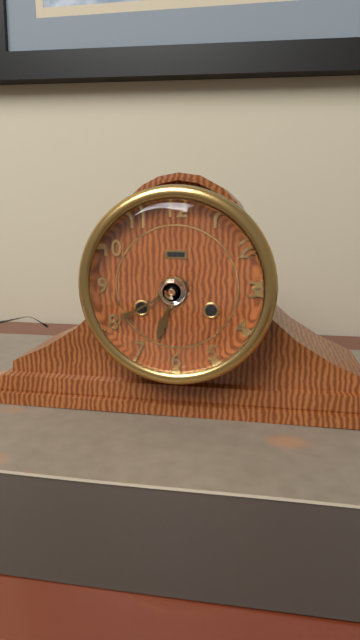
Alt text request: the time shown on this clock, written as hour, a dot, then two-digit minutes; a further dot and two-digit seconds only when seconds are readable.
6.40
